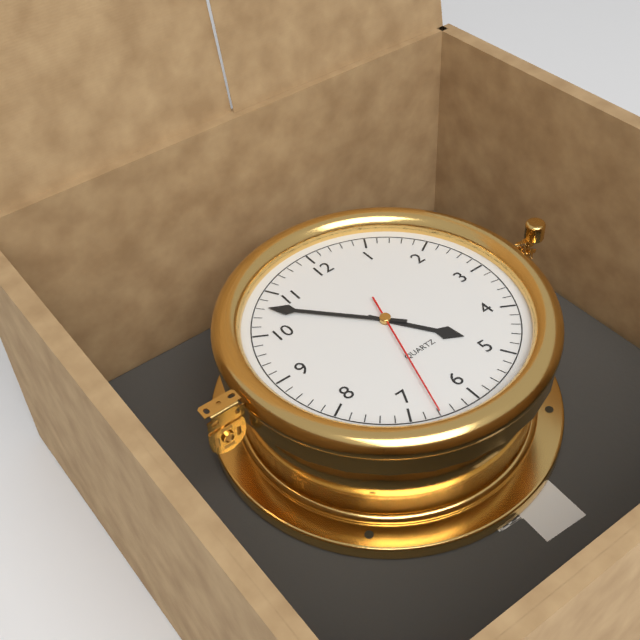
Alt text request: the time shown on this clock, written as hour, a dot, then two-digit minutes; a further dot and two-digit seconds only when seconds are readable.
4.53.33
